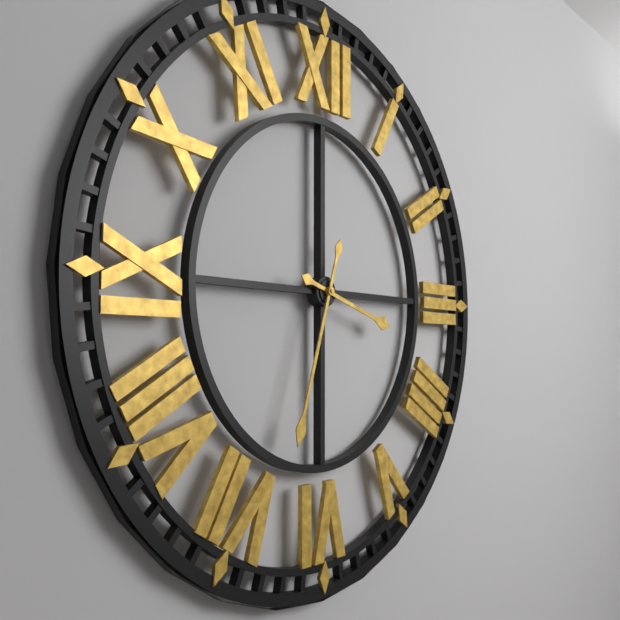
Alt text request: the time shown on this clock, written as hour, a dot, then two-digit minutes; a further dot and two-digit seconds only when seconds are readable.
3.33
